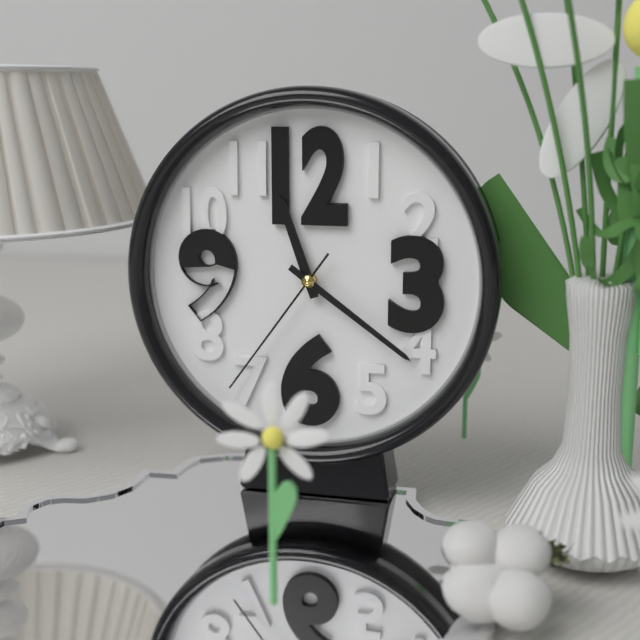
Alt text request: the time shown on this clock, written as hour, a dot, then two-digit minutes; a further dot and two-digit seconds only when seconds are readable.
11.21.36
